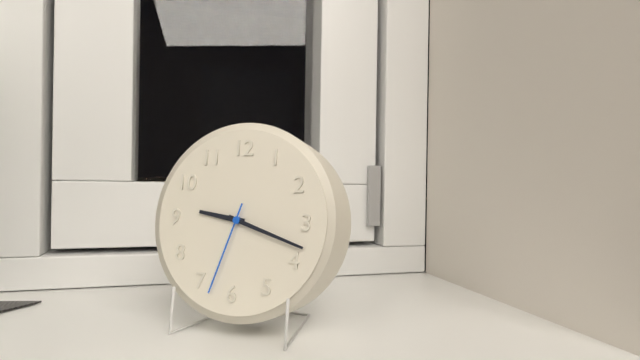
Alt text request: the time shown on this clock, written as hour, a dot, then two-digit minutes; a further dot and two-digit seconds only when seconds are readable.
9.18.33
